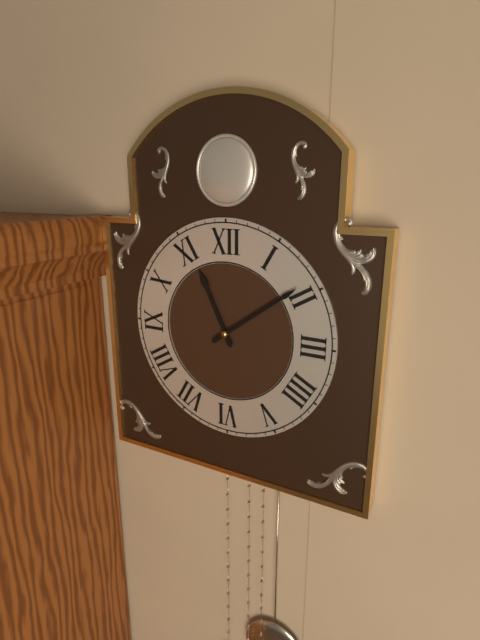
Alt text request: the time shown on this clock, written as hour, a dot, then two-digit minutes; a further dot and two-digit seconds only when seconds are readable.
11.09
